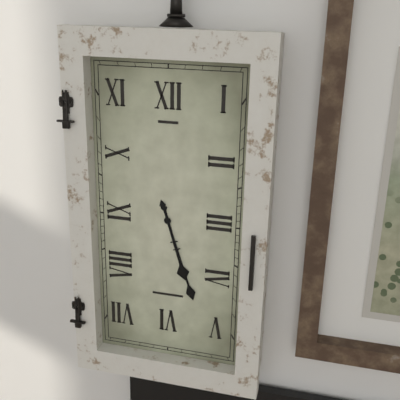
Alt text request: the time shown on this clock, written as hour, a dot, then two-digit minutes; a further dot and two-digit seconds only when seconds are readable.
5.27
